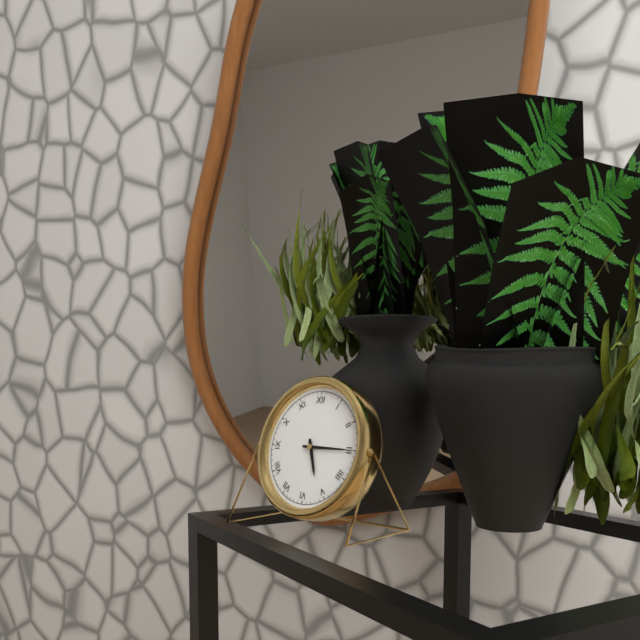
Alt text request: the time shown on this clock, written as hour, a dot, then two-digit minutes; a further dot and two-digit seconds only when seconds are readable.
5.15
